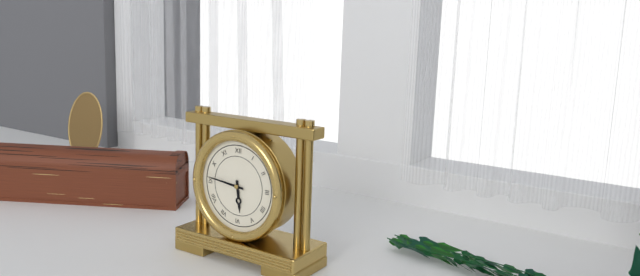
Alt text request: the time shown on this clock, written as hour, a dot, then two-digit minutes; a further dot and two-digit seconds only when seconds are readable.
5.46
